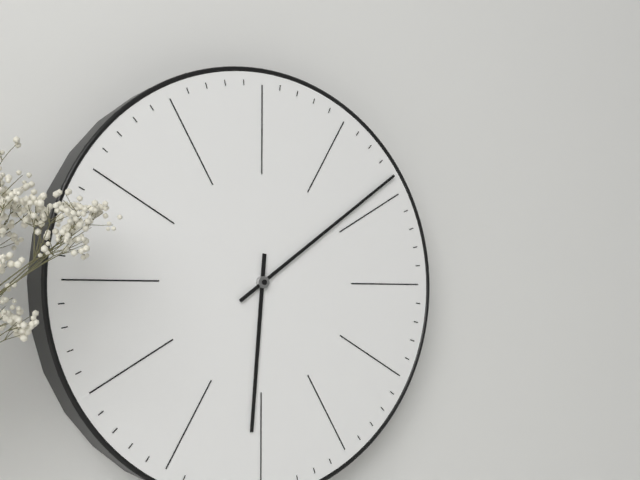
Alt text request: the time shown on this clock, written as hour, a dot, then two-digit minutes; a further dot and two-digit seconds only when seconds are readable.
6.09
